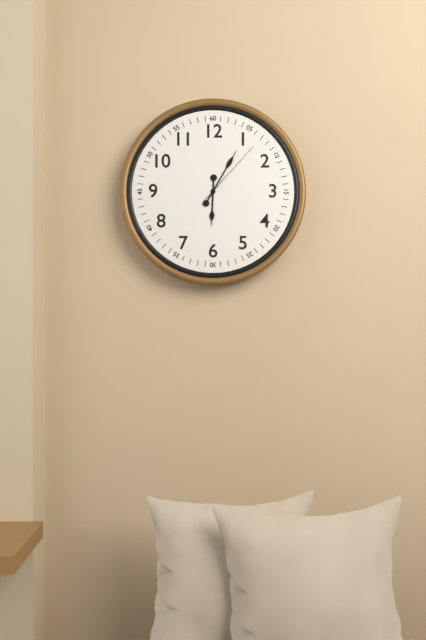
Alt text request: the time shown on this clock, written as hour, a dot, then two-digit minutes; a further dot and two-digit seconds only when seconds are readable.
6.05.07
